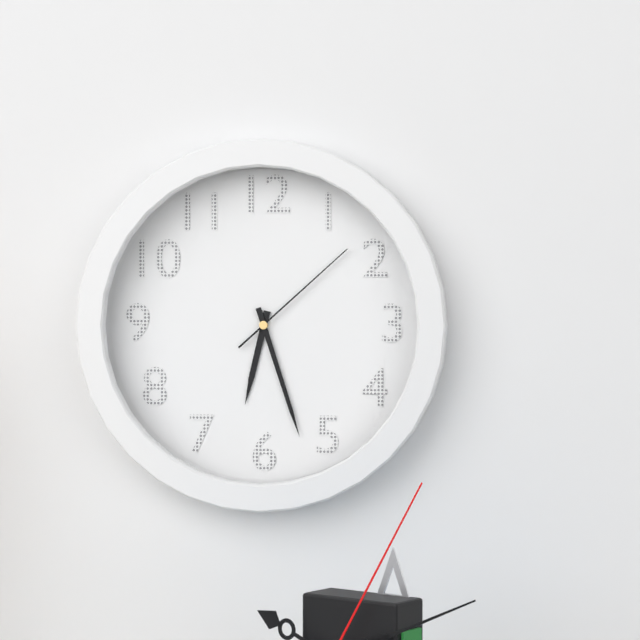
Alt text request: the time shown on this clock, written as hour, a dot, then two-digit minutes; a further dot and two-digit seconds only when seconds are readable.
6.27.08
